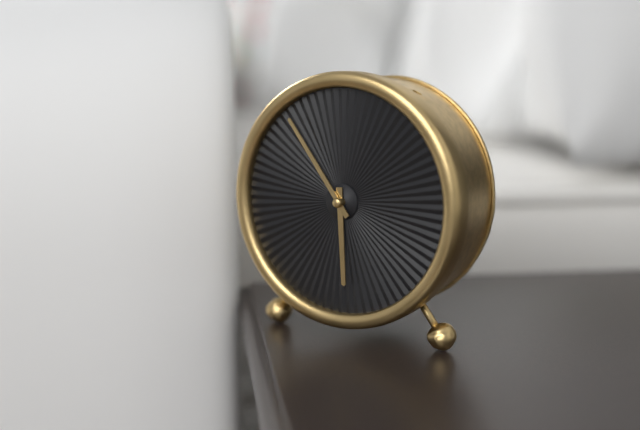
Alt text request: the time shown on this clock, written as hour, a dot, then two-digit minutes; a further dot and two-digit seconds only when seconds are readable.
5.54
